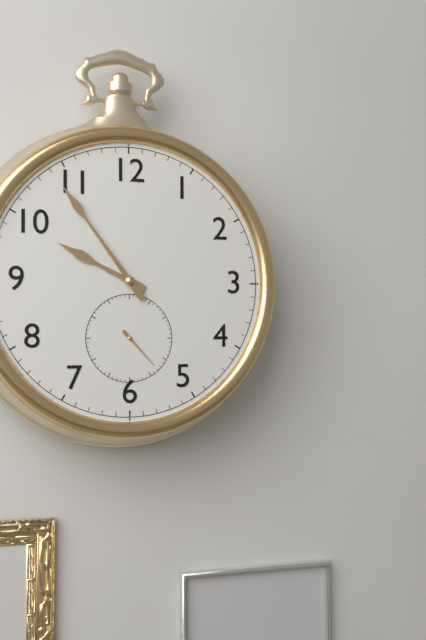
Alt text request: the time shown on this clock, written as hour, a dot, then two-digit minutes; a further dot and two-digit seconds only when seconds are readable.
9.54
